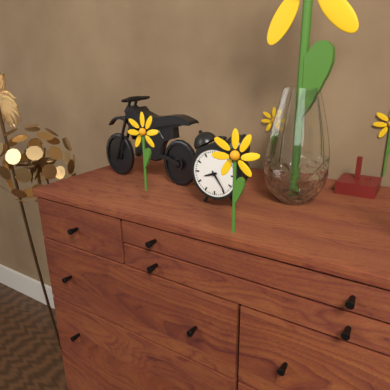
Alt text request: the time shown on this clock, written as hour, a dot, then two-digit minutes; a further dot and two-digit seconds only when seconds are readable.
8.24
